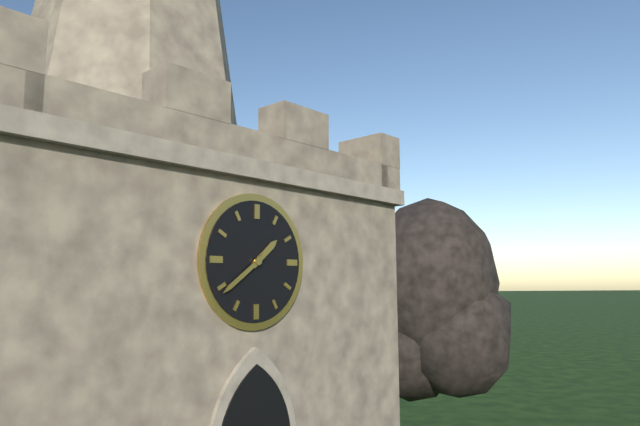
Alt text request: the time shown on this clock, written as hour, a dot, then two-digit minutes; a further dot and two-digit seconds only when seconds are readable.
1.39
